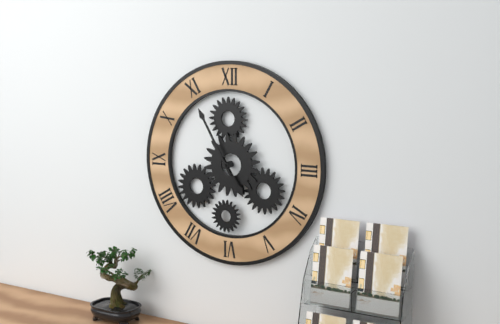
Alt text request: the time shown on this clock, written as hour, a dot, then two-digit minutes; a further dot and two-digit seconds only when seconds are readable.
4.55
